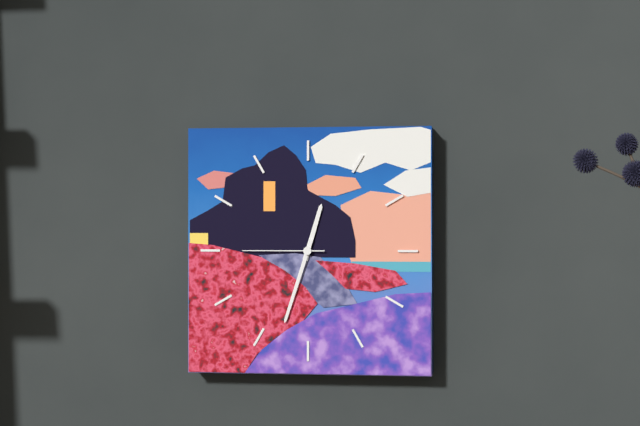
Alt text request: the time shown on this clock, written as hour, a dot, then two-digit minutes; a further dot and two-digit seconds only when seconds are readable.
12.33.45
